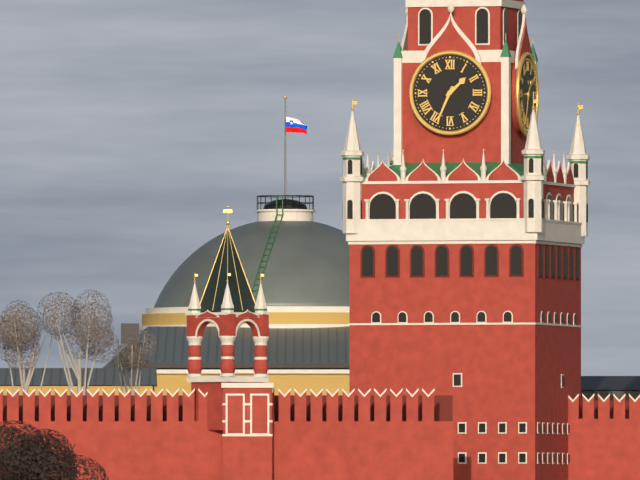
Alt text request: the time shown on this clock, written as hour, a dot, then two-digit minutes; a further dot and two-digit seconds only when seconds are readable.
1.34
